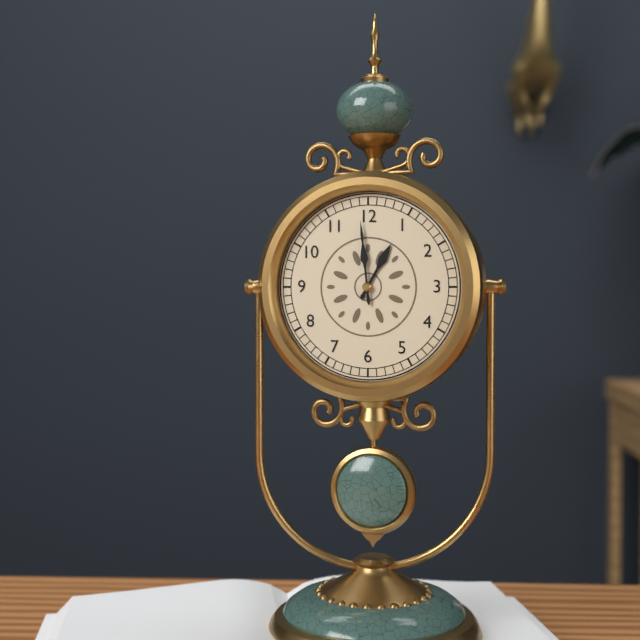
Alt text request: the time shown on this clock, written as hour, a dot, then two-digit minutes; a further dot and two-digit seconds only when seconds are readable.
12.59
